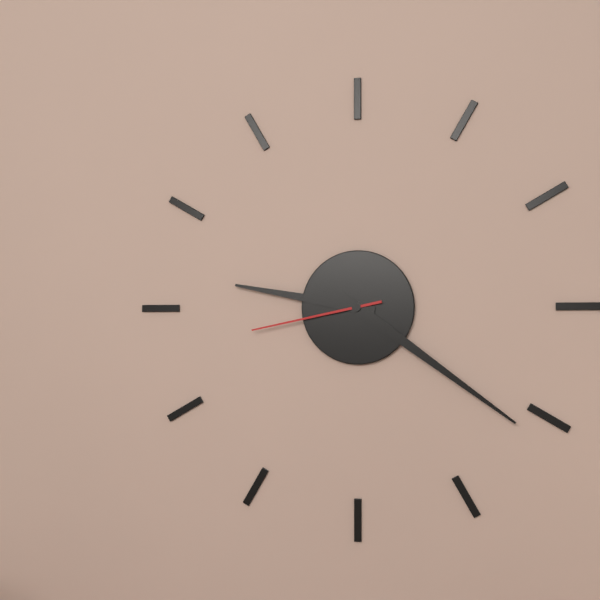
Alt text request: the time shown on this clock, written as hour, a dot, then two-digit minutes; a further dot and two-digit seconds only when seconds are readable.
9.21.43
